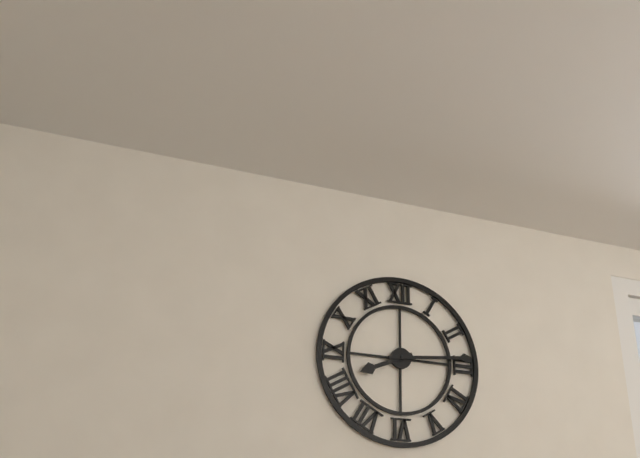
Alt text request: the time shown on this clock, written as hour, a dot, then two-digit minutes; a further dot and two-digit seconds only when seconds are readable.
8.14
